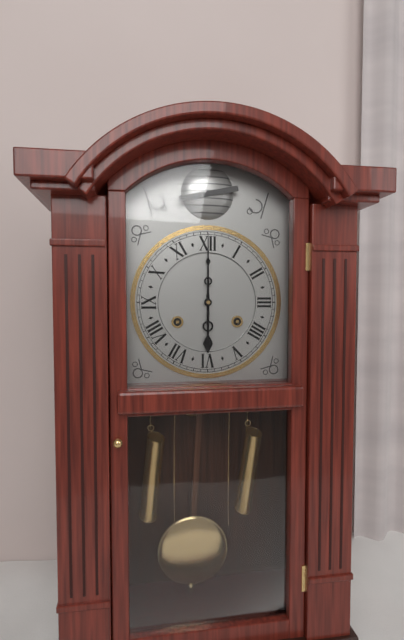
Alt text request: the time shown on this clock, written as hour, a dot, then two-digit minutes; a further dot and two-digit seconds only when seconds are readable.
6.00
